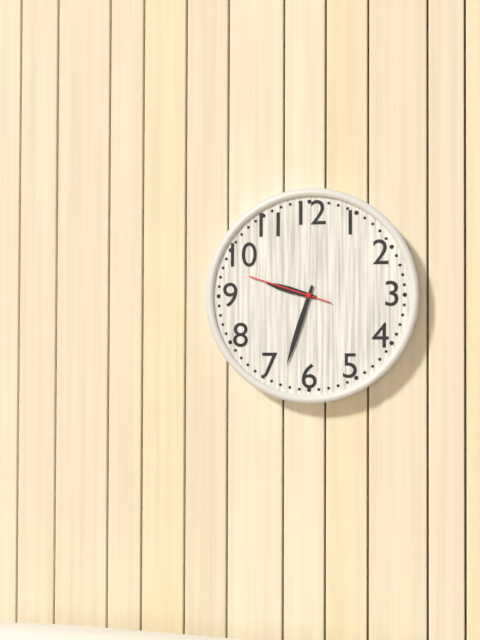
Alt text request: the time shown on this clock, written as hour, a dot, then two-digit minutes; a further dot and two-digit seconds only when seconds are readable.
9.33.48
